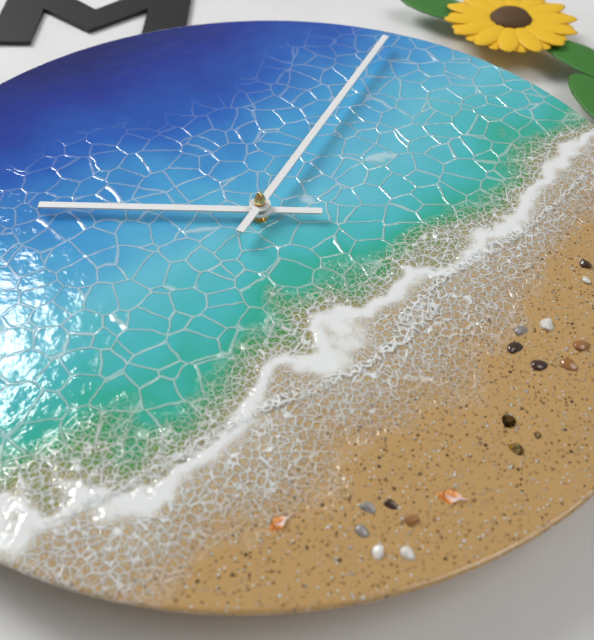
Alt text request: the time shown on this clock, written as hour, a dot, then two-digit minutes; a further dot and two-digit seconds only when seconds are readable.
9.04
